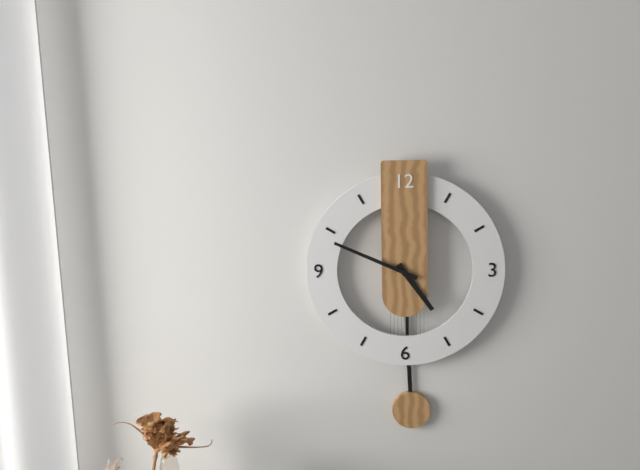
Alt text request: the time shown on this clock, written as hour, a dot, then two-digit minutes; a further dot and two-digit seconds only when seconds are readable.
4.49
